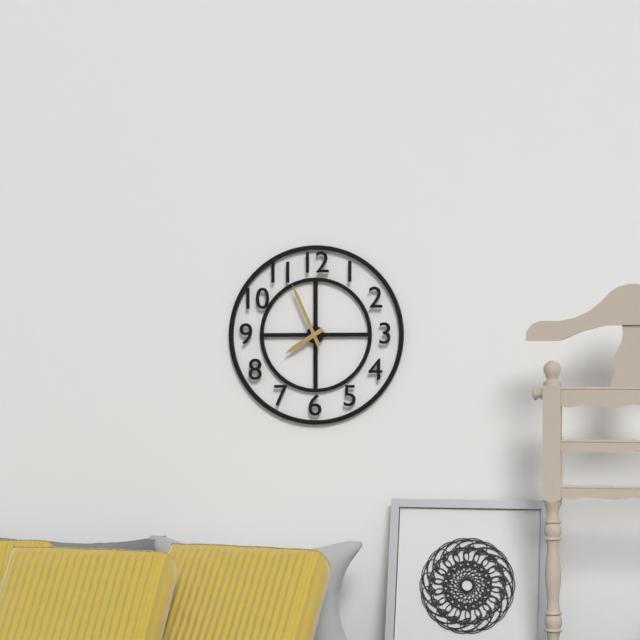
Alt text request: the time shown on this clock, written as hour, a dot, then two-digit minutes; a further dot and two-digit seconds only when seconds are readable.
7.56
